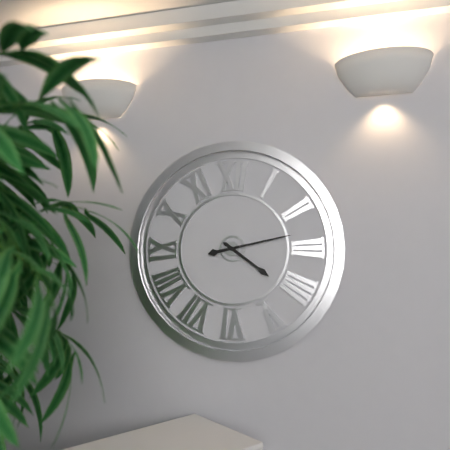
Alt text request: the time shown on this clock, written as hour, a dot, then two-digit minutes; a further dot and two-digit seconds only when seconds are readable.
4.13
